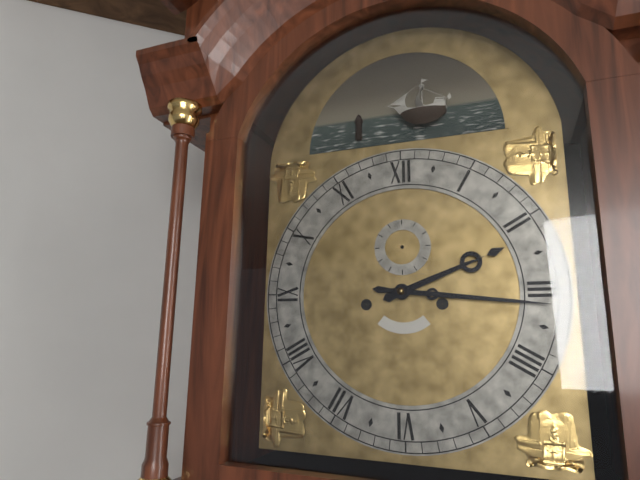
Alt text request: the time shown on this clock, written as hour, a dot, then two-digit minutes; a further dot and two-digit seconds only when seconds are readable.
2.16
